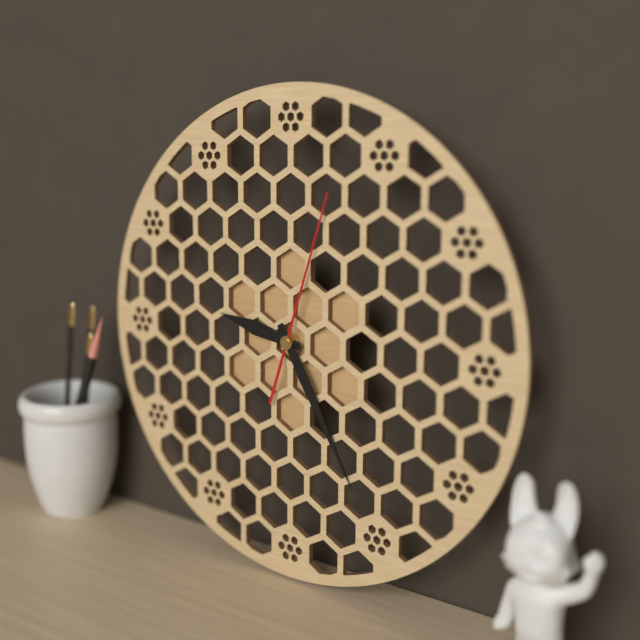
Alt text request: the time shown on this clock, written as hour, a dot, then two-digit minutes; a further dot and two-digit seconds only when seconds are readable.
9.25.03
